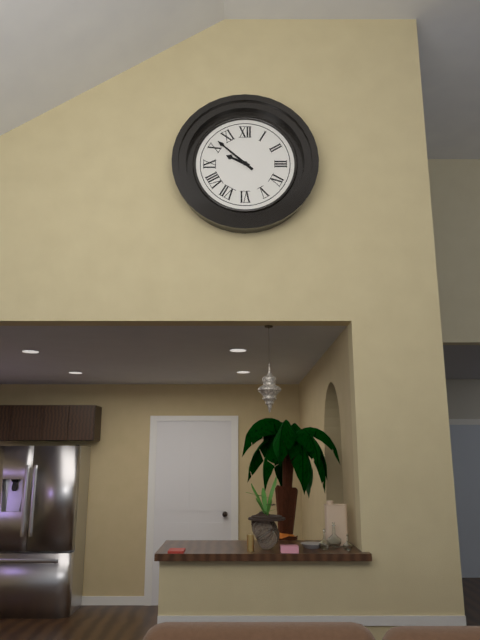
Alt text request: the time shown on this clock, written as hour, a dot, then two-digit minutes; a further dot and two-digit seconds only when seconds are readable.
9.52
